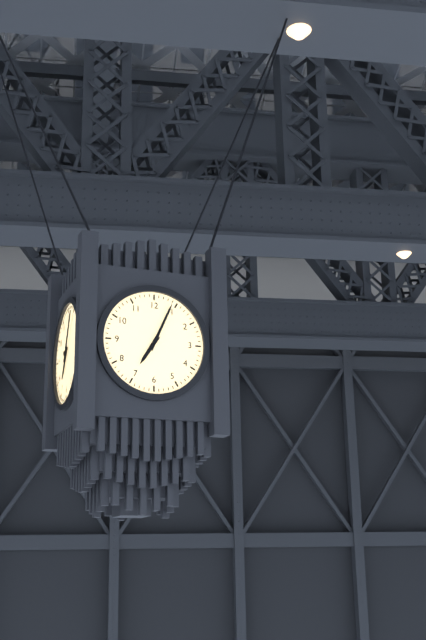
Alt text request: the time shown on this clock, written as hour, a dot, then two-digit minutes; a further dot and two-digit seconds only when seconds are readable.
7.04
